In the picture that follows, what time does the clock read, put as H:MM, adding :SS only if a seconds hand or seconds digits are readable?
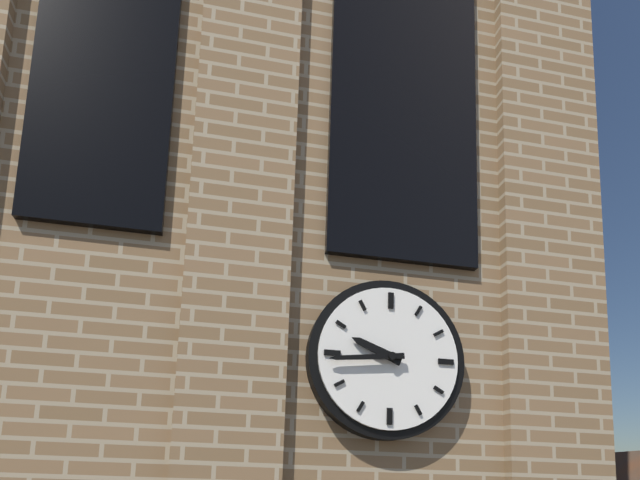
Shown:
9:44
